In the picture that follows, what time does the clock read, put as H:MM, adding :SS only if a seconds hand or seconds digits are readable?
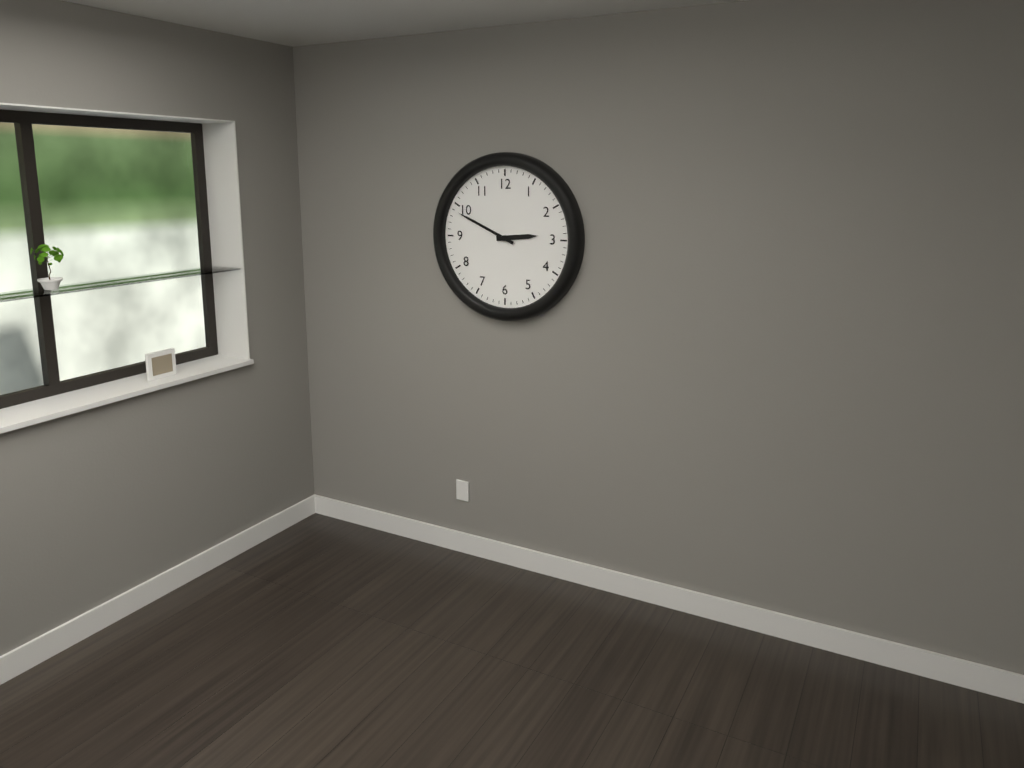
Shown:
2:49
